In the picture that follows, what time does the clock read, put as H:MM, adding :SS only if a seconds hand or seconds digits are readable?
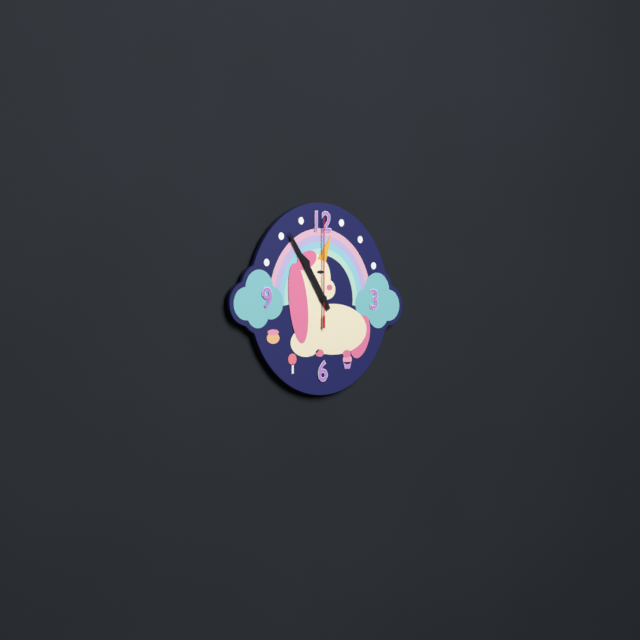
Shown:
10:54:00
